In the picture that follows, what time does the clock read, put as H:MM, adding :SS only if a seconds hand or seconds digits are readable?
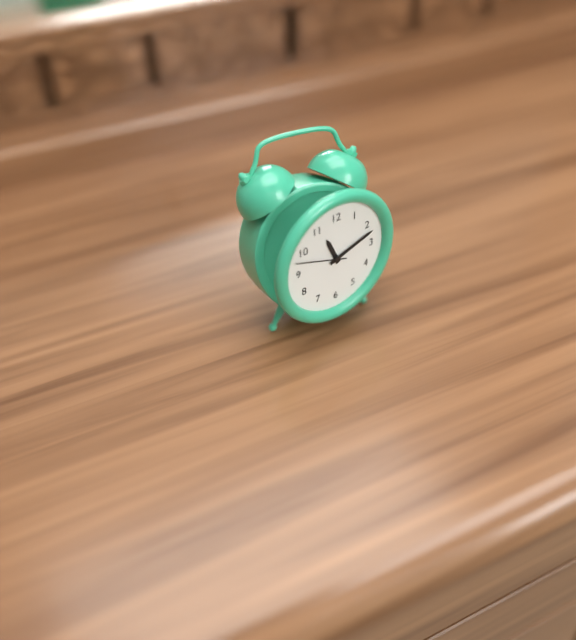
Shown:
11:12:48
